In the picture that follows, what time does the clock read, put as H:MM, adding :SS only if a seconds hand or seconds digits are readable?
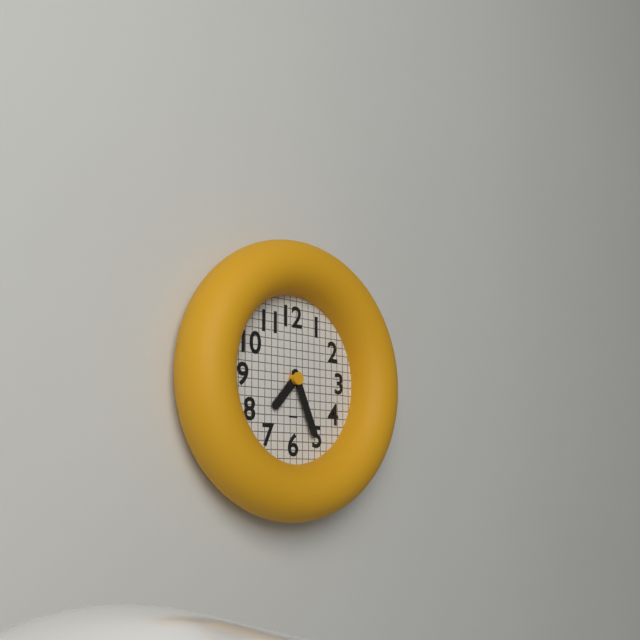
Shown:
7:26
